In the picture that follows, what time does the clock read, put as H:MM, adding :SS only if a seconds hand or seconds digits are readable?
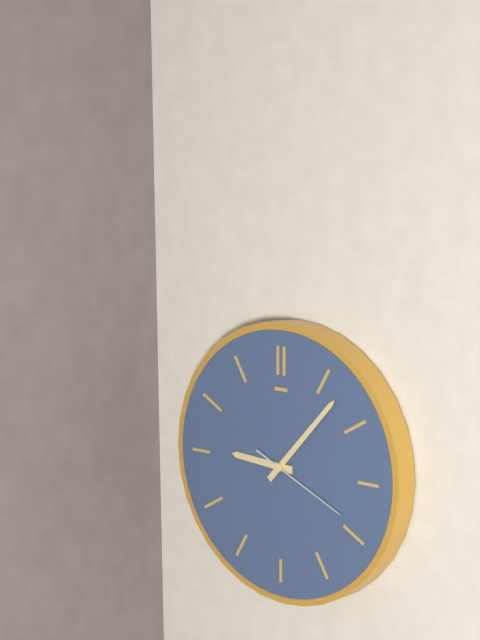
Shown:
9:07:19
